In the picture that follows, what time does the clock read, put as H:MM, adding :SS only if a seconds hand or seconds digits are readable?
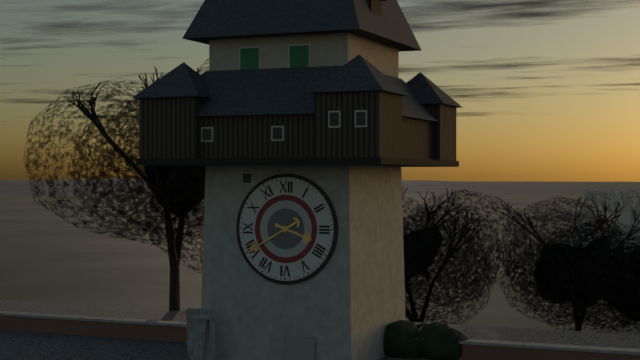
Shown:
3:40
